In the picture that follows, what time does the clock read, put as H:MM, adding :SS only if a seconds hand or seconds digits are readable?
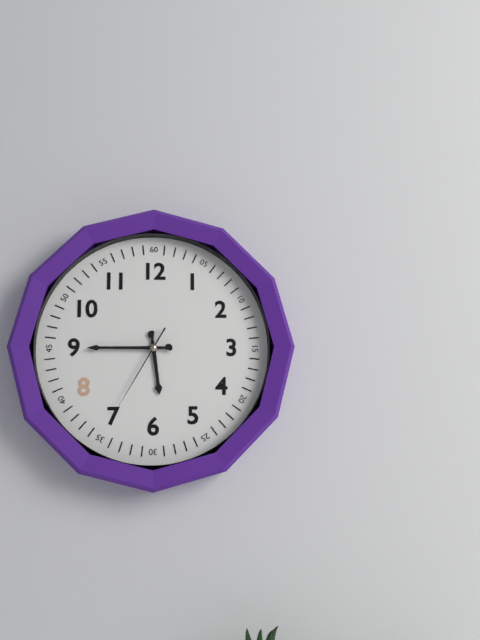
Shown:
5:45:35
